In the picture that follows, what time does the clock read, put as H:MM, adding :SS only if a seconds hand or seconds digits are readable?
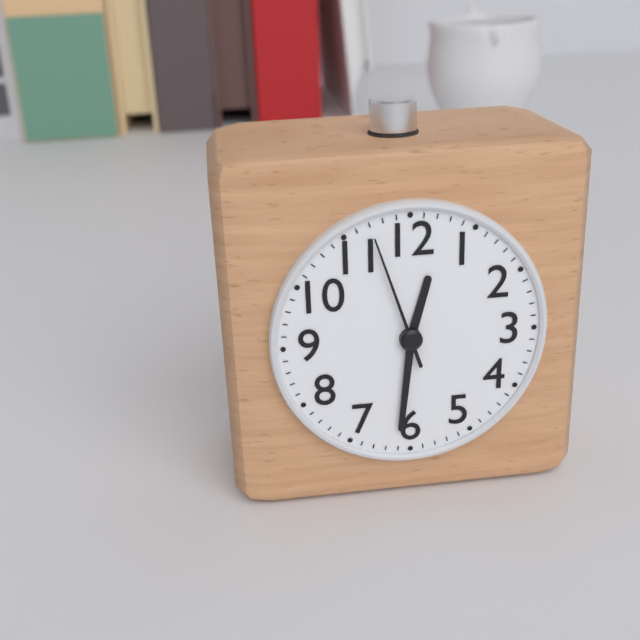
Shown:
12:31:57
